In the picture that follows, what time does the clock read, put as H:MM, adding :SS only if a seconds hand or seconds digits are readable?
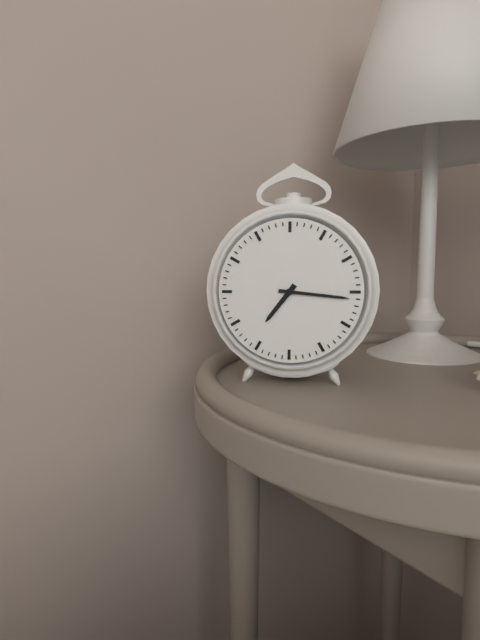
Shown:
7:16
